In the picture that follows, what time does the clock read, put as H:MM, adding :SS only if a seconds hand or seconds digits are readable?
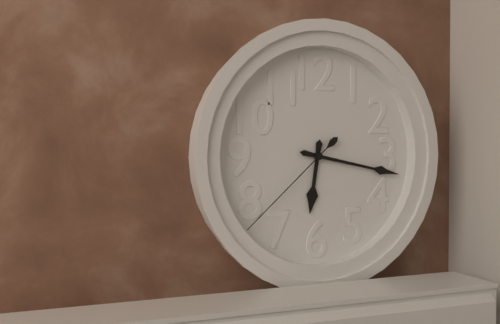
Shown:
6:17:38
